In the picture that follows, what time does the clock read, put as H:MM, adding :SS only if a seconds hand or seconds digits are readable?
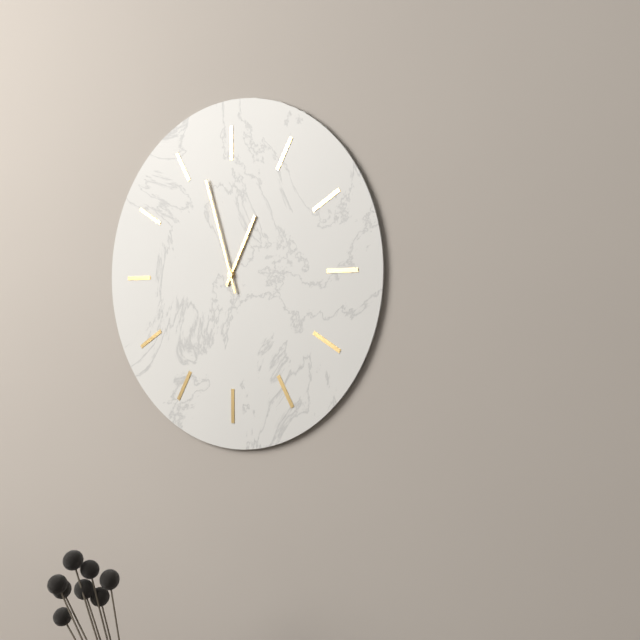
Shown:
12:57
